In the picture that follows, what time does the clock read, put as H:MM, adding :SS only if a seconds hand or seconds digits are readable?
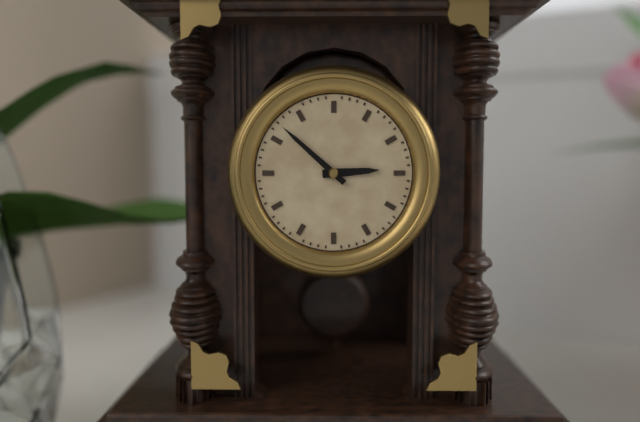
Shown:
2:52
